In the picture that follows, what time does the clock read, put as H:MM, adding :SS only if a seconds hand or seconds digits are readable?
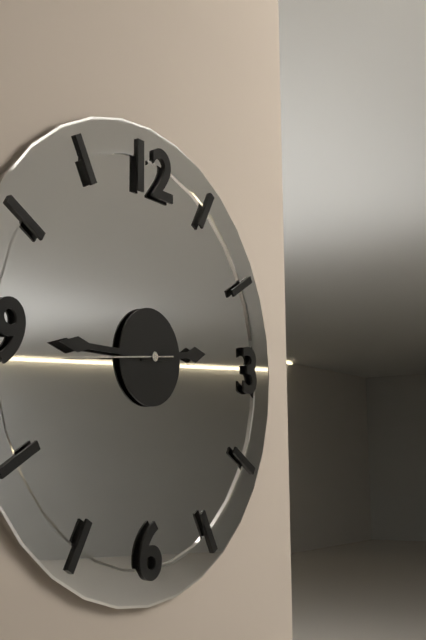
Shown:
2:45:44
